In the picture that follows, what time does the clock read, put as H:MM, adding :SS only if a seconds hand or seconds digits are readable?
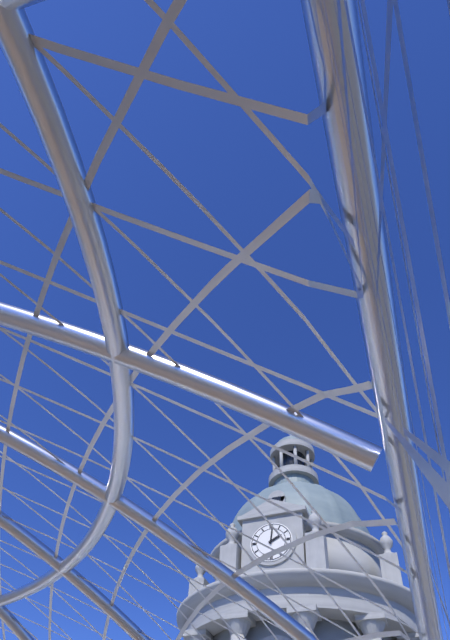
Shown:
2:01
